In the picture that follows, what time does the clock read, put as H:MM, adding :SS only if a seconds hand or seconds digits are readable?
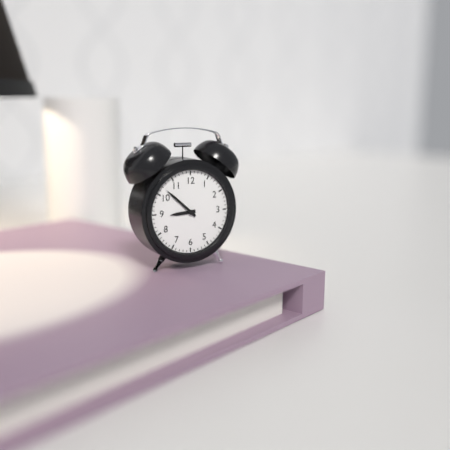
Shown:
8:52
